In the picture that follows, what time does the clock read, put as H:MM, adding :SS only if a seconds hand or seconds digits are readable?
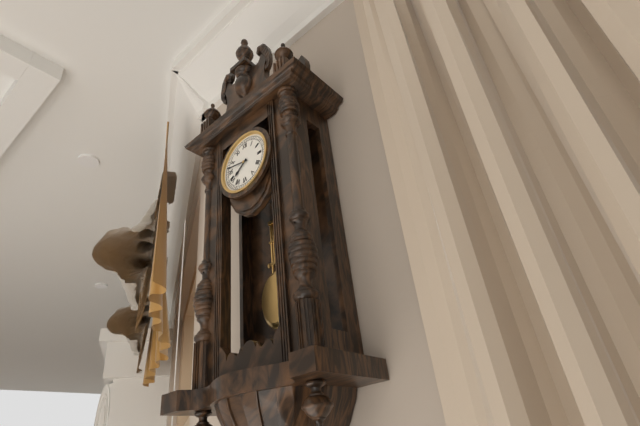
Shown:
7:47
